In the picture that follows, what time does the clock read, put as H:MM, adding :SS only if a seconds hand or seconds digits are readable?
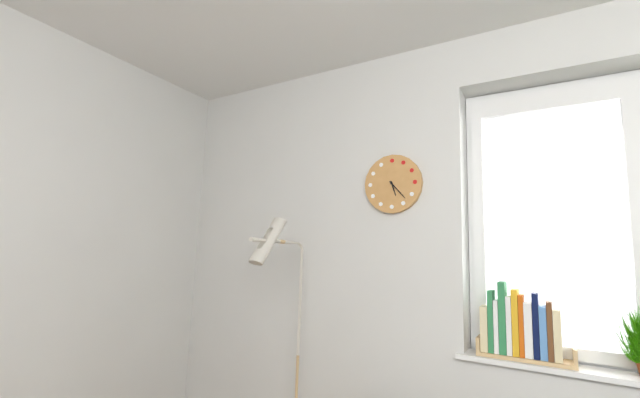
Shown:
5:23
